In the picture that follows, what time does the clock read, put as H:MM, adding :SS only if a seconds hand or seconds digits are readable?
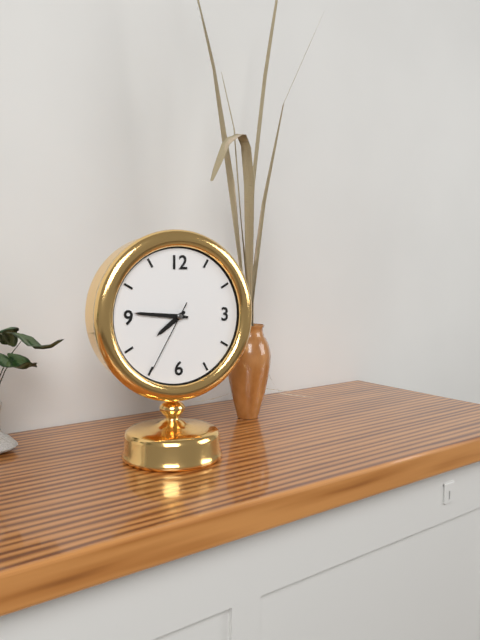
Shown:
7:46:35
